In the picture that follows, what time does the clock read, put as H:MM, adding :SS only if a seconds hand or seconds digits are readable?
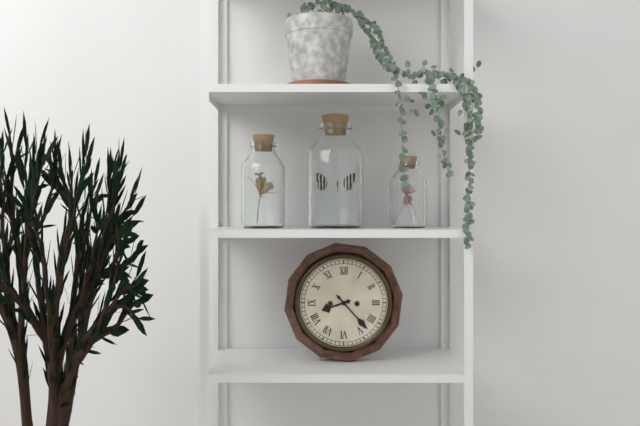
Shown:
8:23
